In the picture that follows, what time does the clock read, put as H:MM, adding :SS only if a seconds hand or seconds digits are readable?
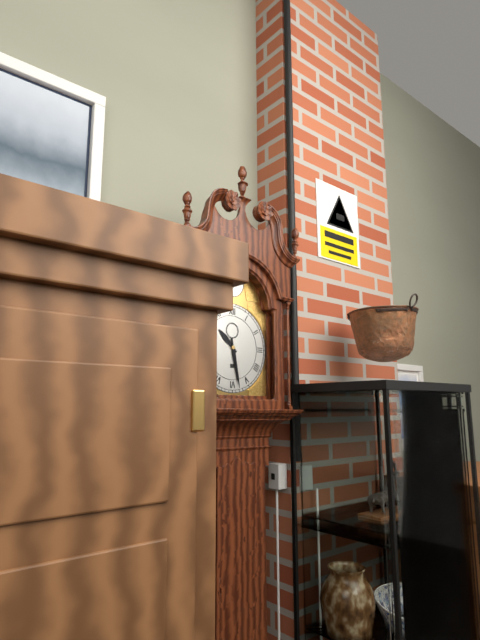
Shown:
10:28
